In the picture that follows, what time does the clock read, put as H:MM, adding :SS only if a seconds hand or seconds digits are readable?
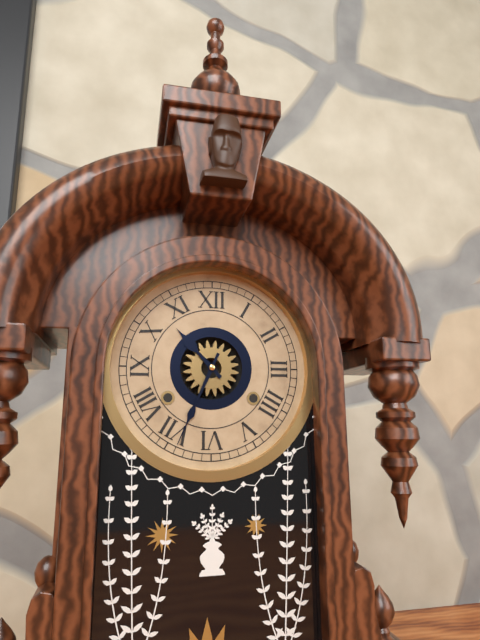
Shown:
10:34
